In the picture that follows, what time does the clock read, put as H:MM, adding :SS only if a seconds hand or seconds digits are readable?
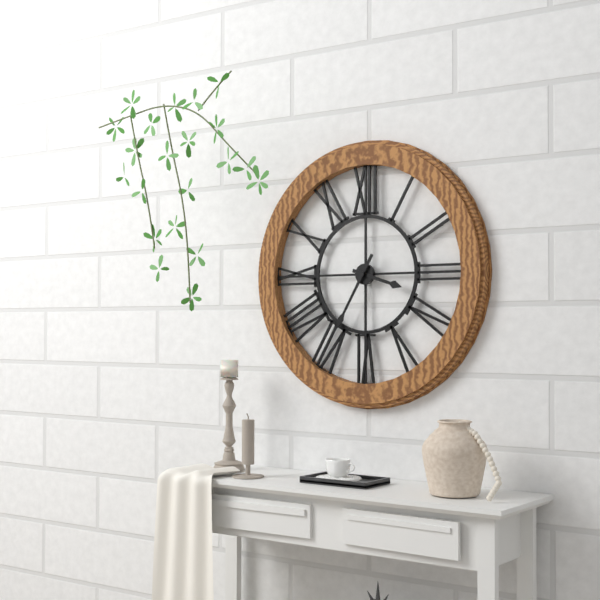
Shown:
3:35
